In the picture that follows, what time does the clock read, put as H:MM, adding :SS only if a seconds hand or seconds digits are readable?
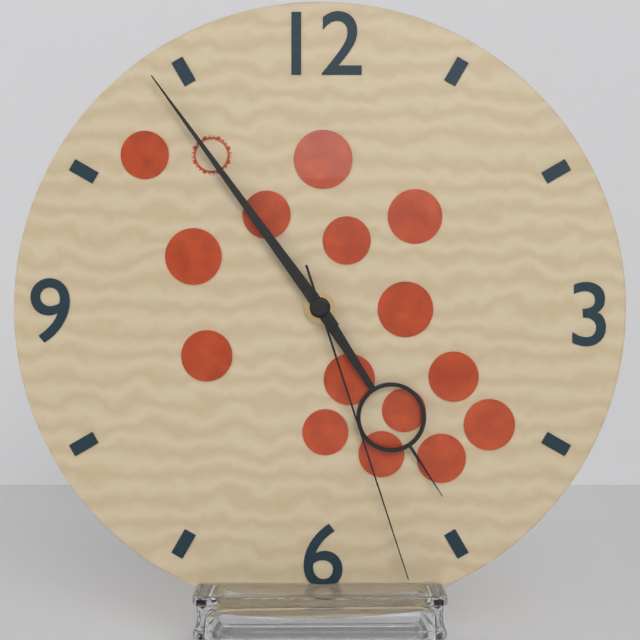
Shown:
4:54:27
